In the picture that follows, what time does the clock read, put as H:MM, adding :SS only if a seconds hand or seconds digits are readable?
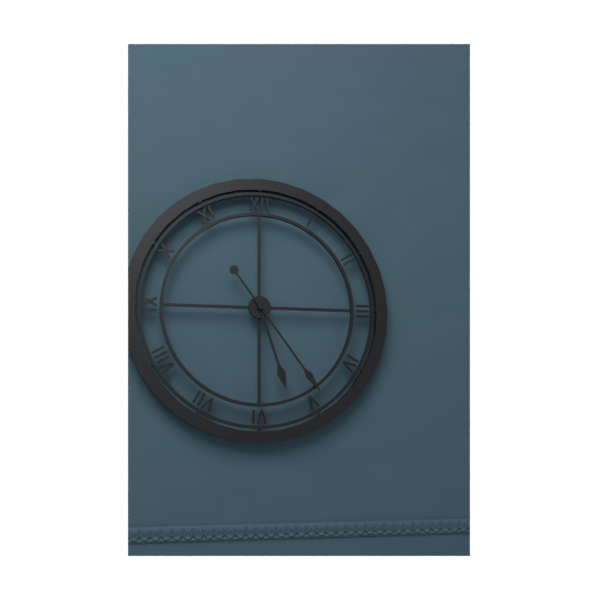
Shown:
5:24
